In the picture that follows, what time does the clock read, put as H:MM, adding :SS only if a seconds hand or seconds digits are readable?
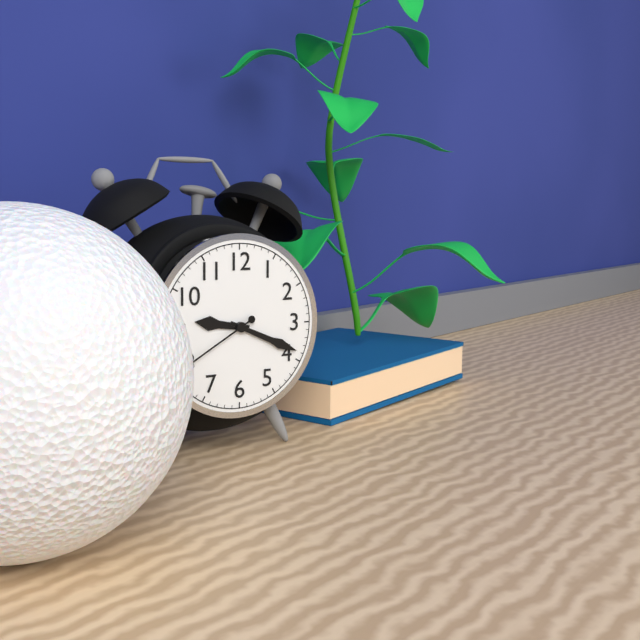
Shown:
9:19:40
